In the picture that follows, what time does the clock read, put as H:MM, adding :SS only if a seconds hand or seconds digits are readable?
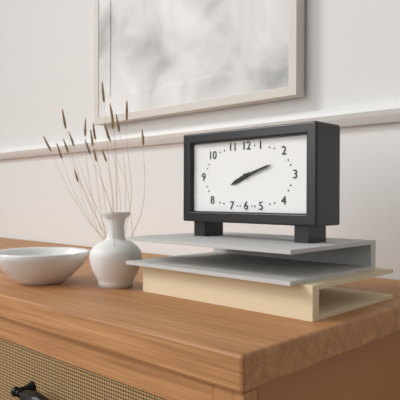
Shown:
8:12
